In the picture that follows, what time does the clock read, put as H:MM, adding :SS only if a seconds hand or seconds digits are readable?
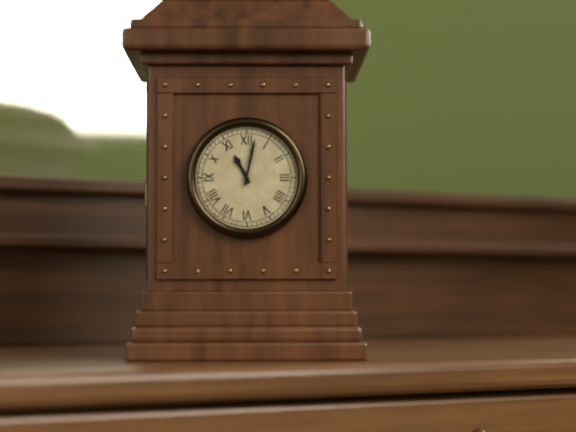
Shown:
11:02
